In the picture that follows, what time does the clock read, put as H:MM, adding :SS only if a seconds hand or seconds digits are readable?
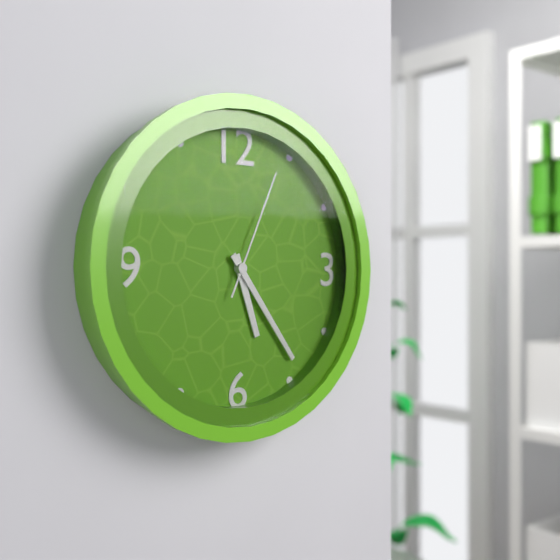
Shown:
5:24:04
